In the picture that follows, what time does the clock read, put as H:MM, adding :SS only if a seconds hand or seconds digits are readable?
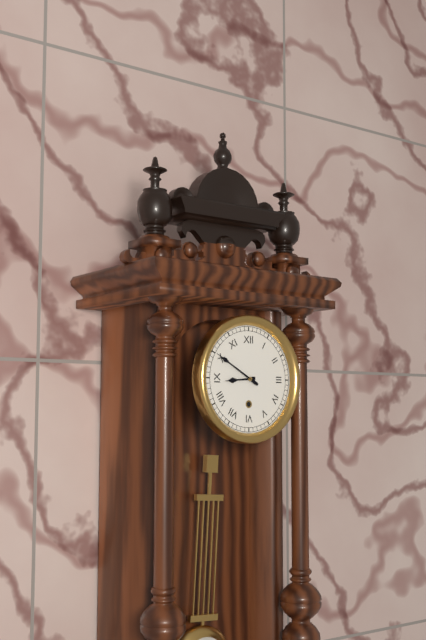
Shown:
8:50
